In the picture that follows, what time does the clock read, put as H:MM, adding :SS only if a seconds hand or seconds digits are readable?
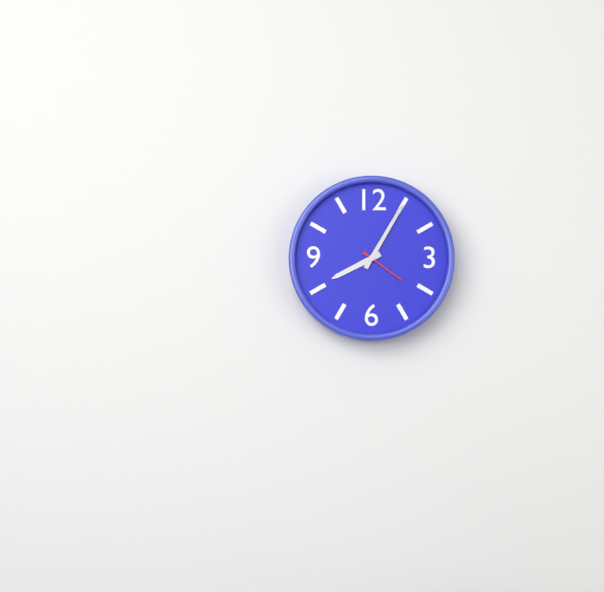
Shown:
8:05
